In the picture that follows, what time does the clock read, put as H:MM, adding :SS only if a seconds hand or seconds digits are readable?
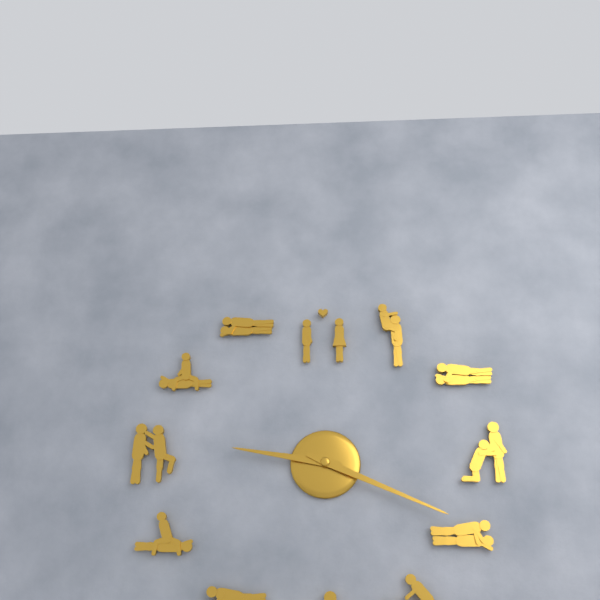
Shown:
9:19
